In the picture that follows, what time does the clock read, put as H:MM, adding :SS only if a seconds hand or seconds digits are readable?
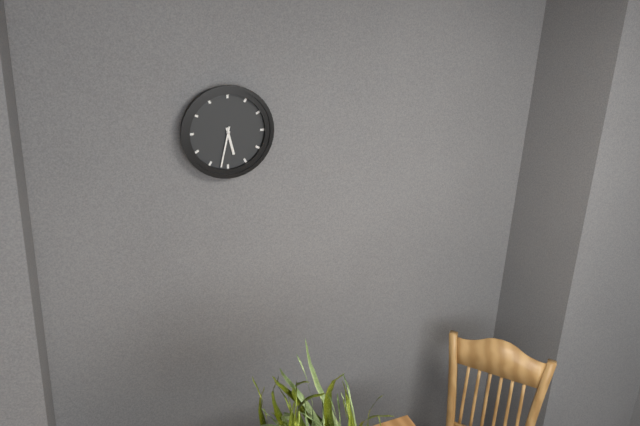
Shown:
5:32
